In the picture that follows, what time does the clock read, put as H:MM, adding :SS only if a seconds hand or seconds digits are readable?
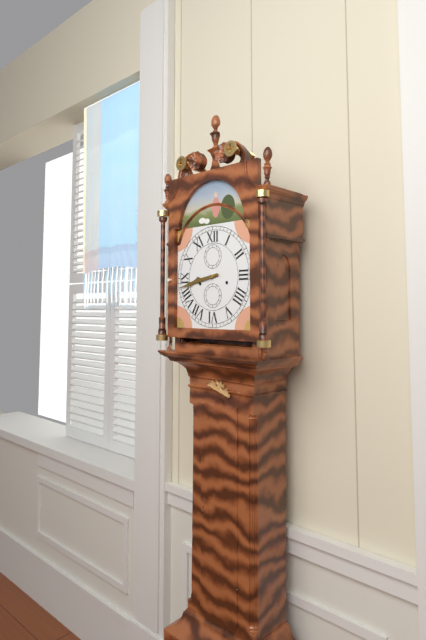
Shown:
8:43
